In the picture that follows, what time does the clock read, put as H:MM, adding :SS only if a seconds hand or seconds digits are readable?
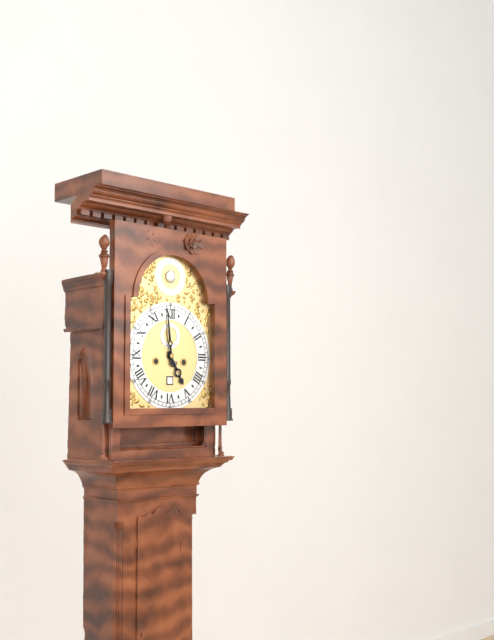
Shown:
4:59
